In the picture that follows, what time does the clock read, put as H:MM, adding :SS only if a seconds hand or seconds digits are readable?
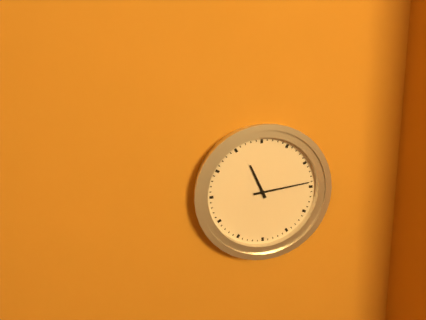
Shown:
11:14
